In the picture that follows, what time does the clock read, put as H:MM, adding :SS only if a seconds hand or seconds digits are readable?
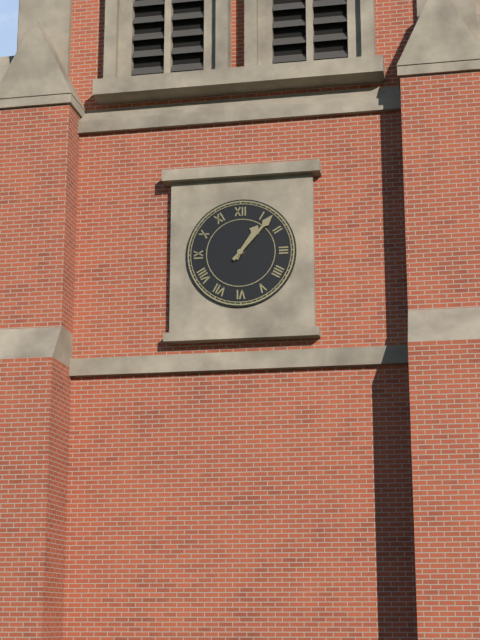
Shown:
1:07
